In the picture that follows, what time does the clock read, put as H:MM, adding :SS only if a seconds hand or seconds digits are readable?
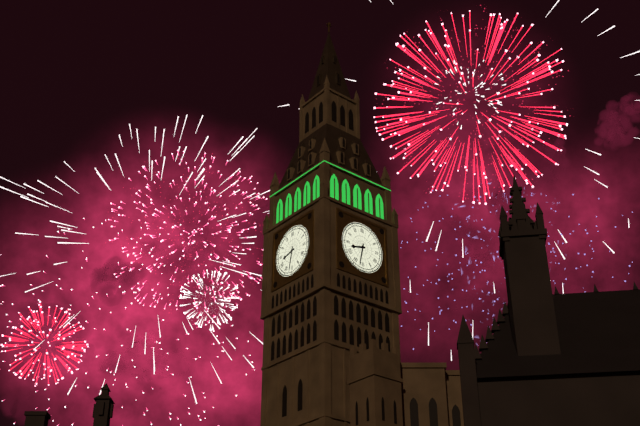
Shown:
8:32
